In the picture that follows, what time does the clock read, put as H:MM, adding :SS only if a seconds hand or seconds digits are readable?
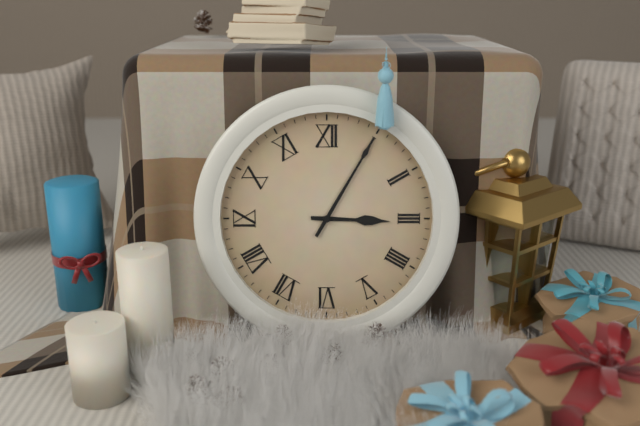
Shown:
3:05
